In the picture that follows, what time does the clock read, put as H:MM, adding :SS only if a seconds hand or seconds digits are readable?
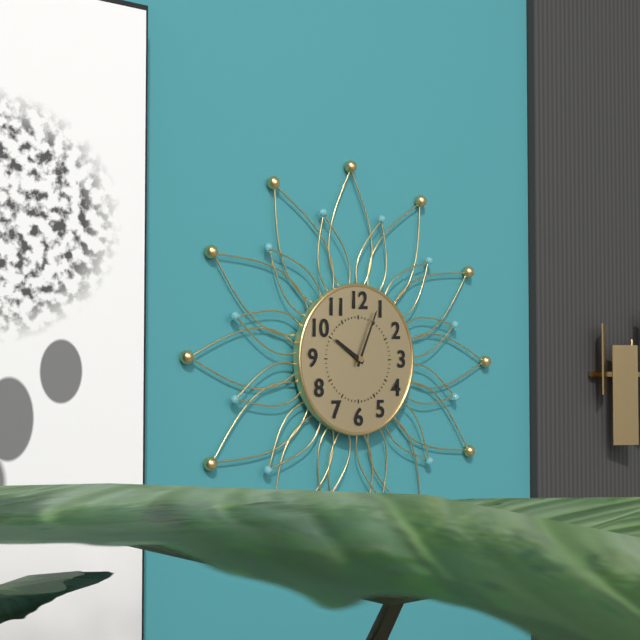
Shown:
10:04
